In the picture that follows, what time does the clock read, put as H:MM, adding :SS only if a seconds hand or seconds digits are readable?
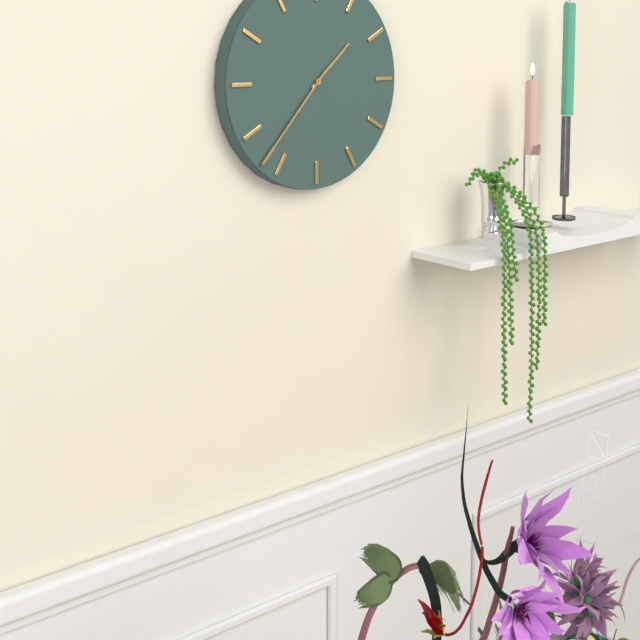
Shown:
1:37
